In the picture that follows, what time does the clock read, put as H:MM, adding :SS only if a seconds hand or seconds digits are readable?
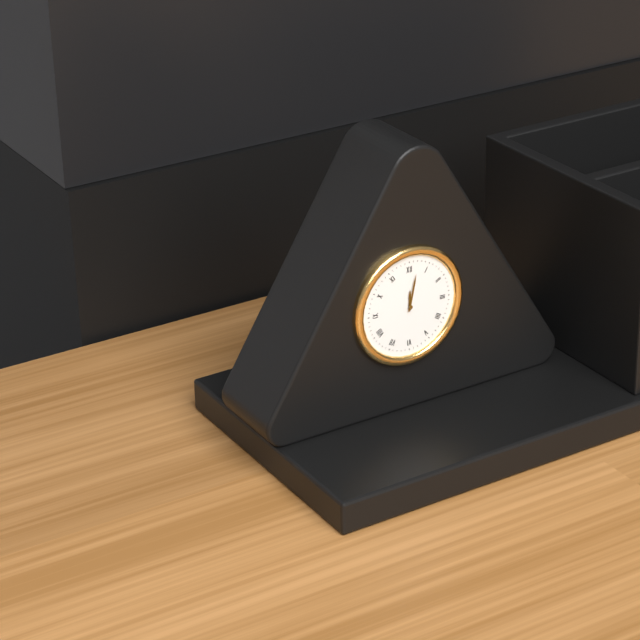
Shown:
12:02
